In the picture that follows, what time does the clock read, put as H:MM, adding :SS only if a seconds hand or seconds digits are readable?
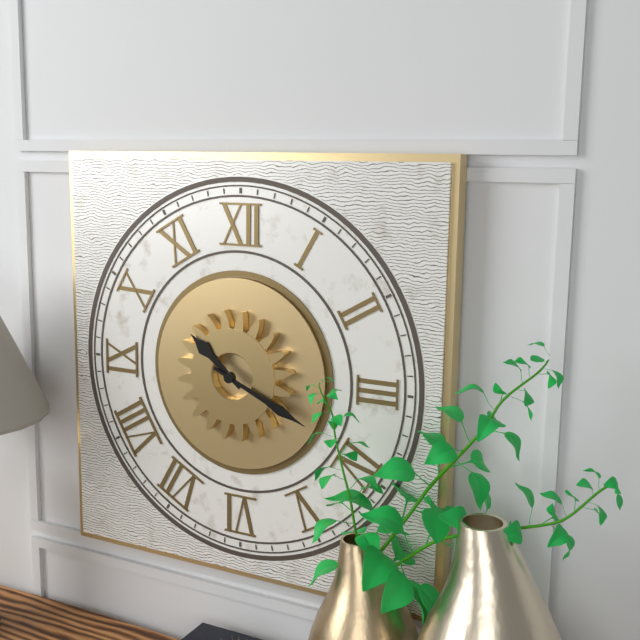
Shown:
10:19
